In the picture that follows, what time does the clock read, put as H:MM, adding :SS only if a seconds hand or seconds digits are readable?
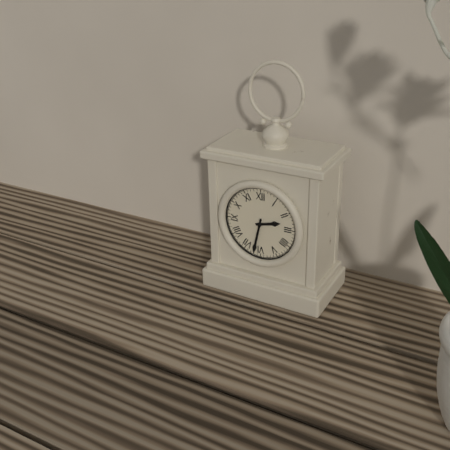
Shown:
2:32
